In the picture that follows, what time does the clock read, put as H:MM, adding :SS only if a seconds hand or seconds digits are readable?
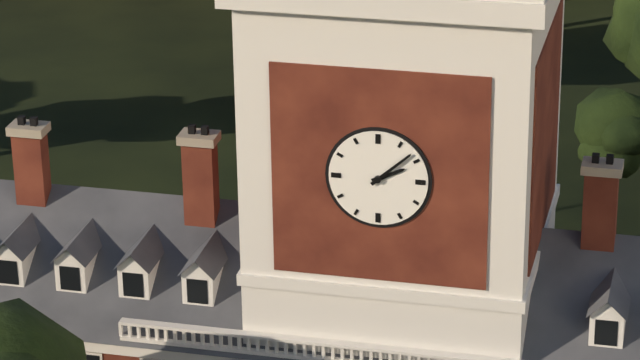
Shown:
2:08
